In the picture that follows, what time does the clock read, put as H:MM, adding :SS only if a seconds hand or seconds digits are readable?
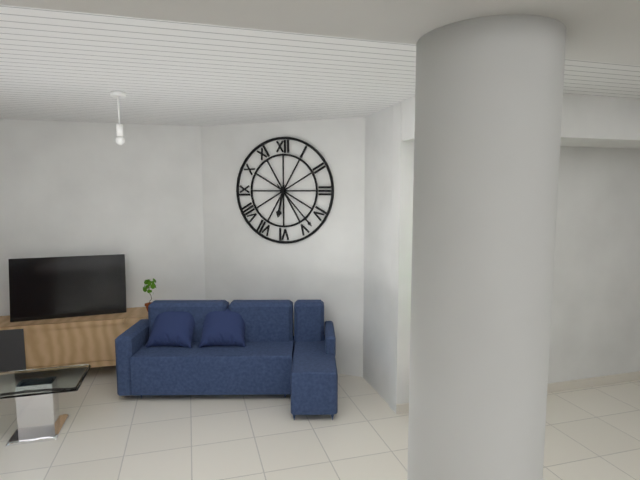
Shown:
6:23
